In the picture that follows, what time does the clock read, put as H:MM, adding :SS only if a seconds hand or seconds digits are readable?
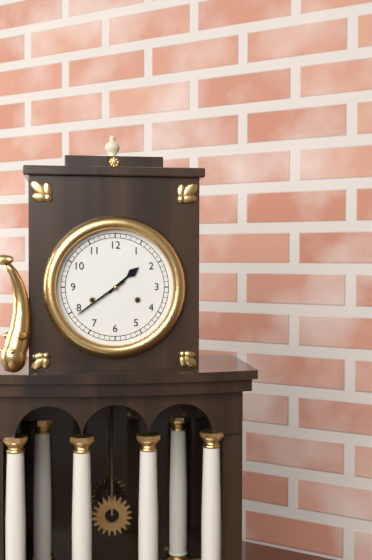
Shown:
1:39
